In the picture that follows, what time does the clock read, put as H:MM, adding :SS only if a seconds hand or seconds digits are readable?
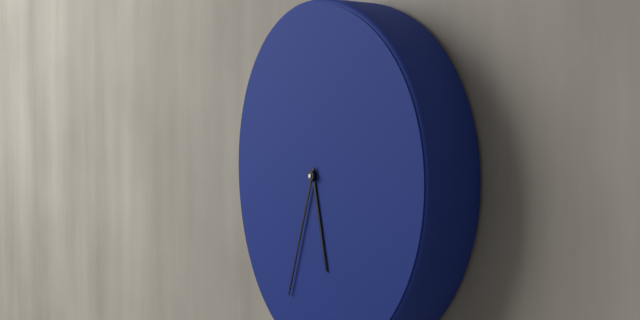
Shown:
5:33
